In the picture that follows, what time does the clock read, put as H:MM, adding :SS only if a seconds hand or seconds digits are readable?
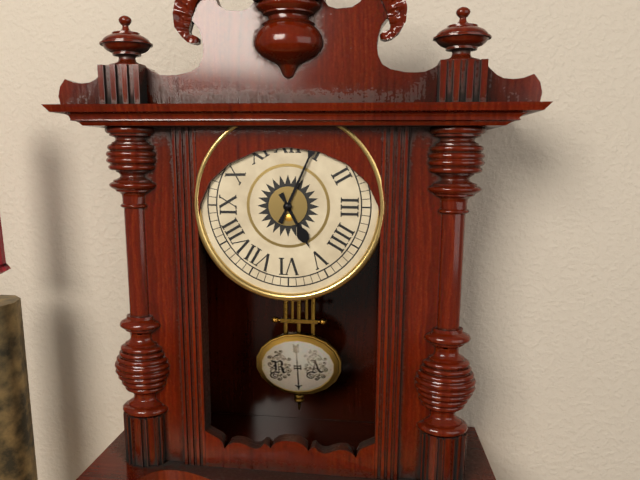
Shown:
5:04
